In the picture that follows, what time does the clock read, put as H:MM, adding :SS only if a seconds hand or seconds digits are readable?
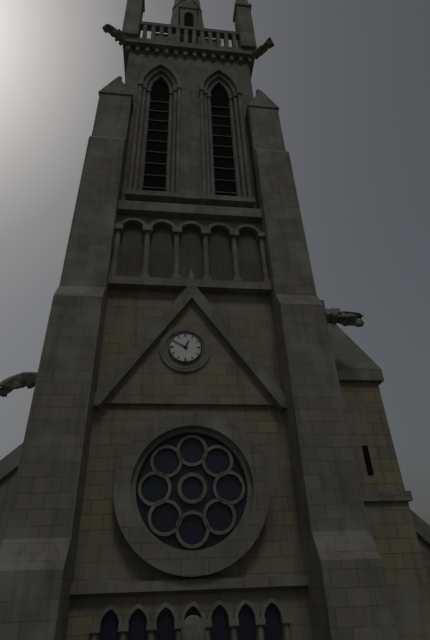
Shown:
12:50
